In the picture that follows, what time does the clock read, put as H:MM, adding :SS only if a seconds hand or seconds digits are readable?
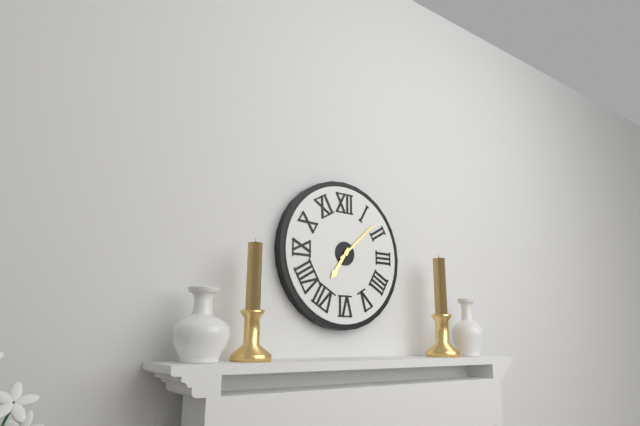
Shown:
7:08
